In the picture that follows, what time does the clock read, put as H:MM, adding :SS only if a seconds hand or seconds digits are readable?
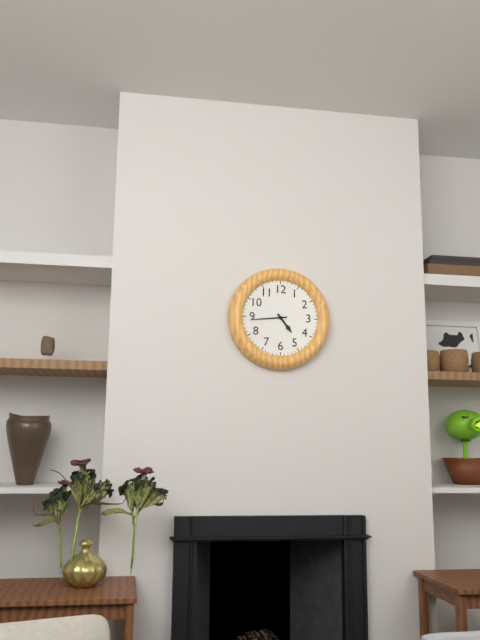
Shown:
4:44
